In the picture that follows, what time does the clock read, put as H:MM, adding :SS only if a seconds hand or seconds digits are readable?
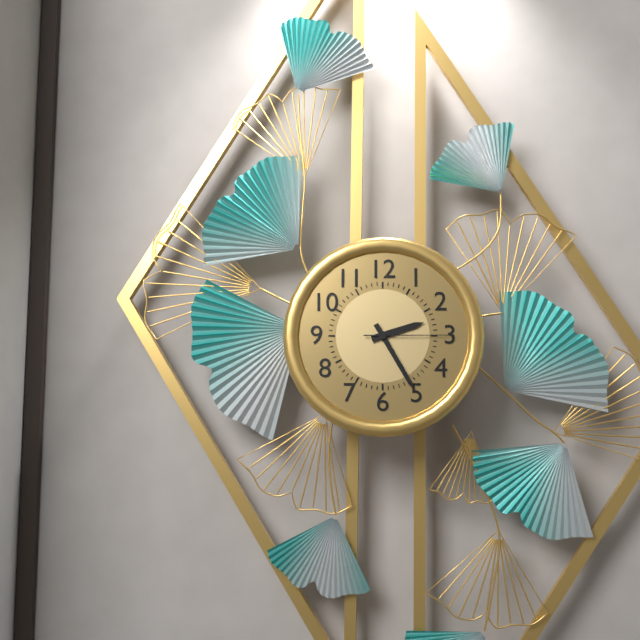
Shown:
2:25:15
